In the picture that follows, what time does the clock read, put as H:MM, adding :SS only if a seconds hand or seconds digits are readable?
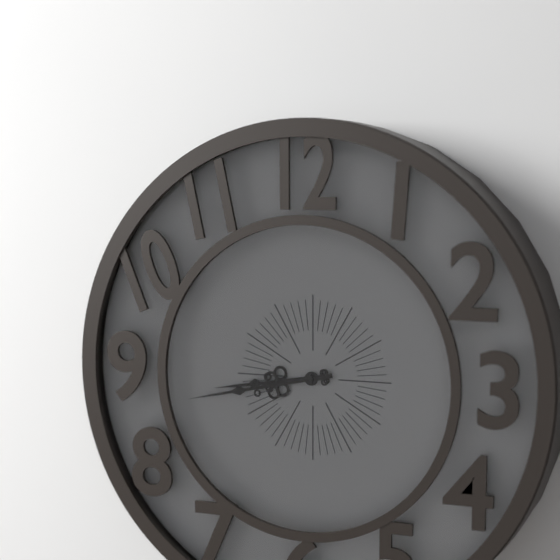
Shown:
8:43
